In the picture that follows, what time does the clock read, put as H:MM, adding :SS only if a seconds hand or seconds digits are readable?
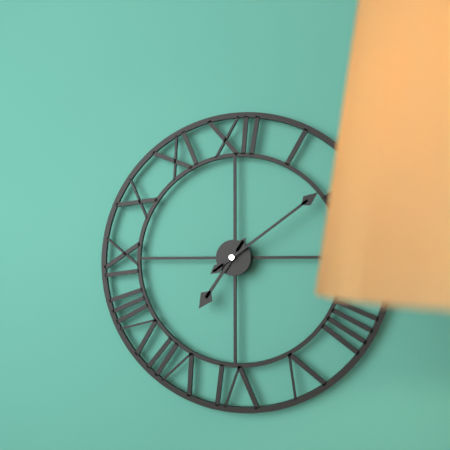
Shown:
7:09
